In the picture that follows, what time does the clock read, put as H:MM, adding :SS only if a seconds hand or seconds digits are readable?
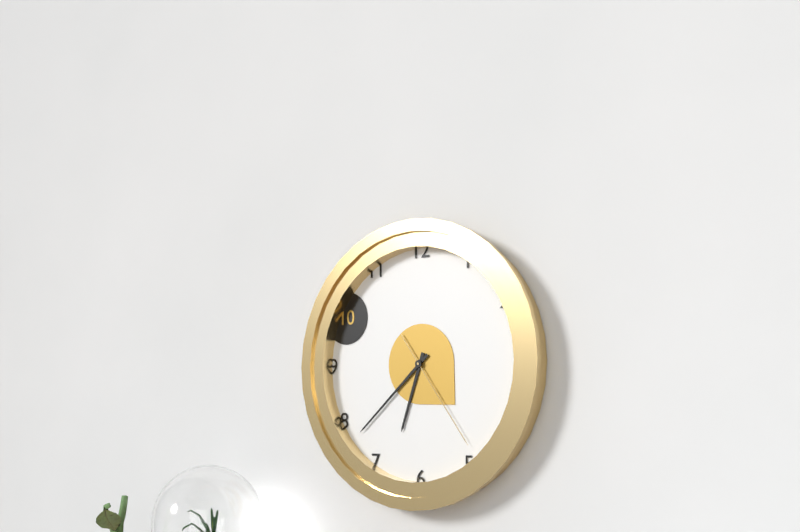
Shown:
6:38:24
